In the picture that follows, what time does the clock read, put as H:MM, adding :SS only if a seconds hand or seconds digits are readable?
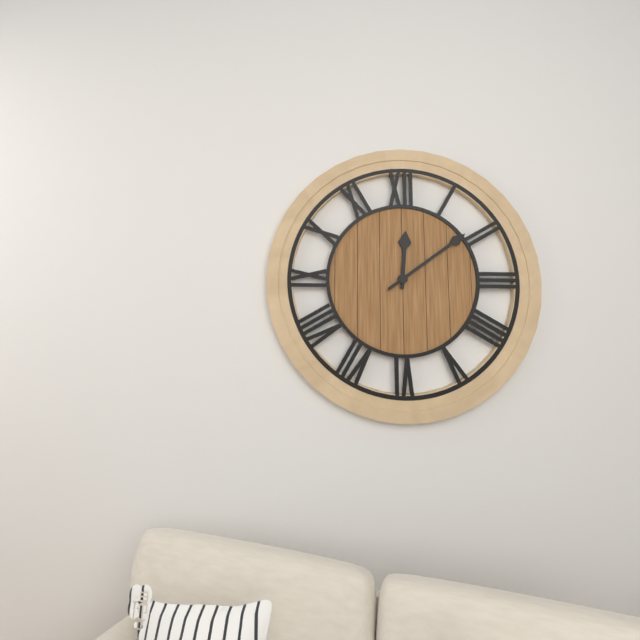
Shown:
12:09
